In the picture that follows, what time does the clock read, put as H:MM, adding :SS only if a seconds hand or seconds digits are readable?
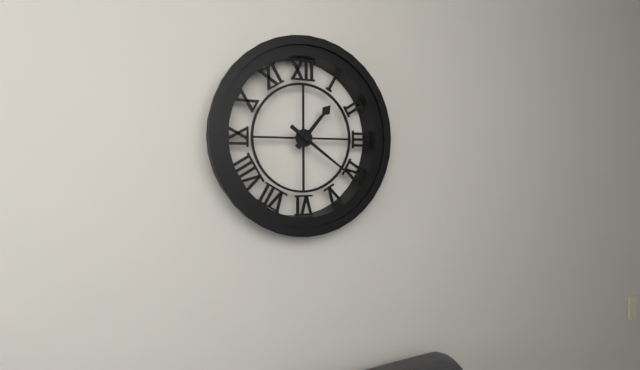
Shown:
1:21
